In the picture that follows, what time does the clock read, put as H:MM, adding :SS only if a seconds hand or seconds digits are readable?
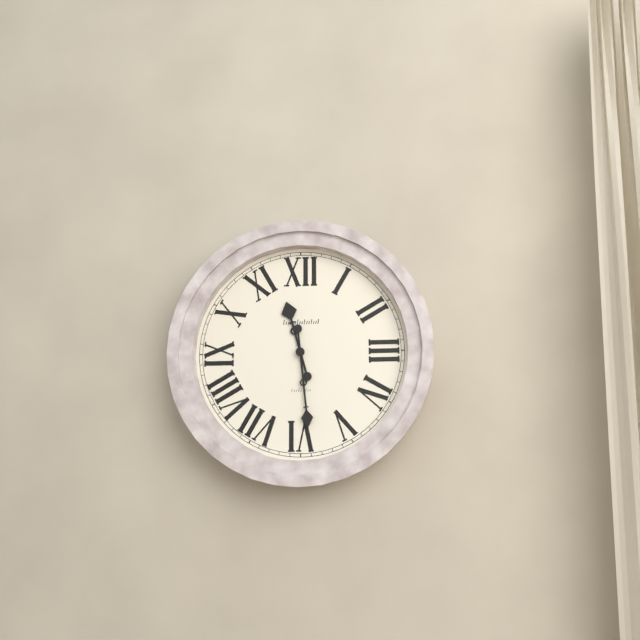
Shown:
11:29
